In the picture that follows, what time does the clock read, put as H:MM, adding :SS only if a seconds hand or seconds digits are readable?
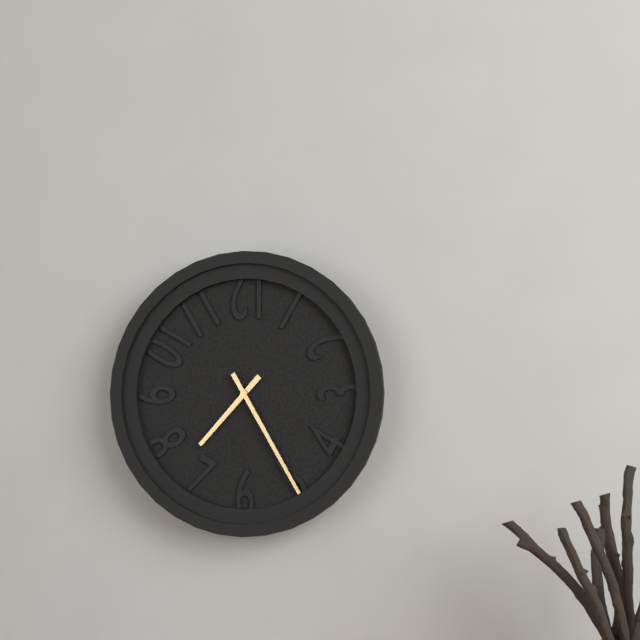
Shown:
7:25
